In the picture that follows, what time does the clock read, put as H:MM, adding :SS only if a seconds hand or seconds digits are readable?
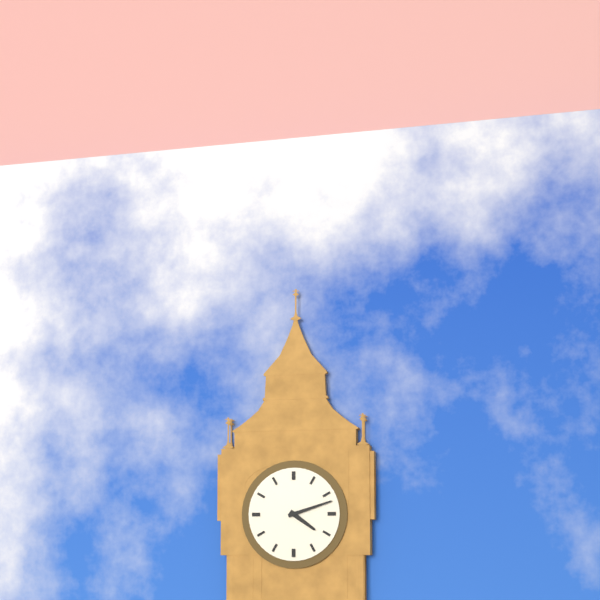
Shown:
4:12
